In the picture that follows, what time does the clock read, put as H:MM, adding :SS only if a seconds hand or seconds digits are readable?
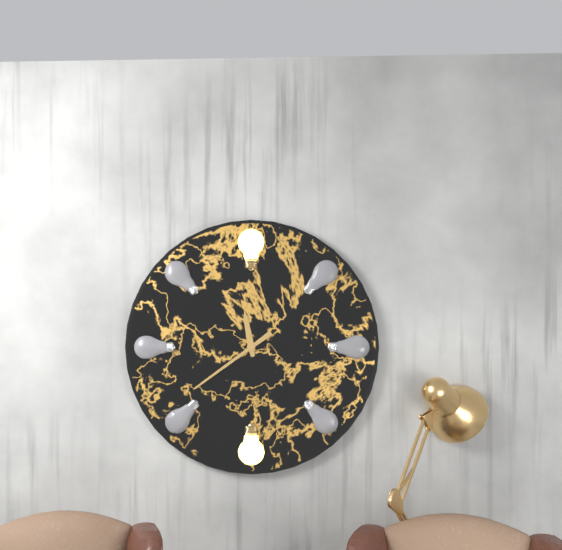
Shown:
11:39
